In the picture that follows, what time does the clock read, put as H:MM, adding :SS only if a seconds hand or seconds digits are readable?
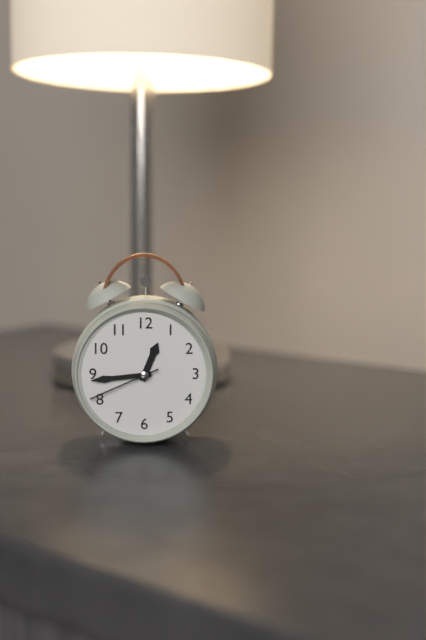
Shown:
12:44:41
